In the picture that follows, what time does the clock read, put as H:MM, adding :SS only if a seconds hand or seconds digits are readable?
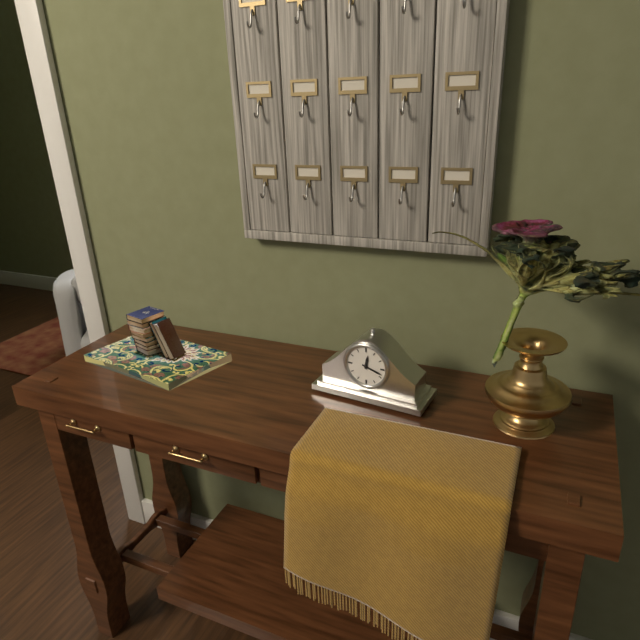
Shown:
12:18
